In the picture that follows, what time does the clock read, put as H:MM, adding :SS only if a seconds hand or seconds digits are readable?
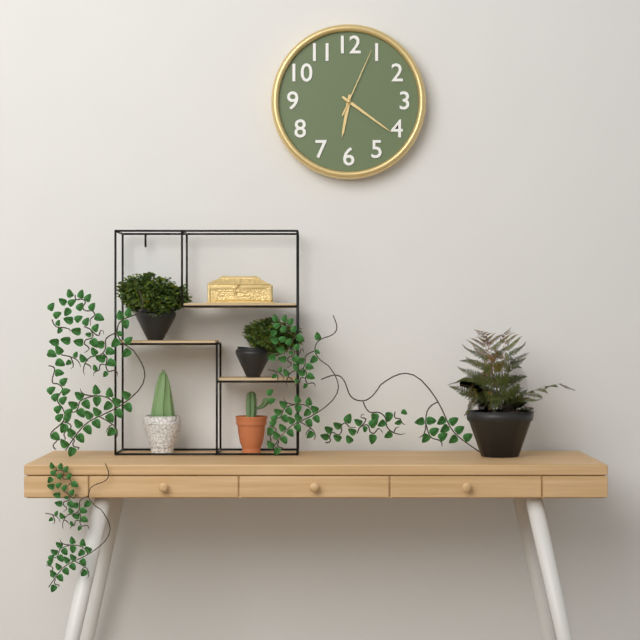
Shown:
6:21:04
